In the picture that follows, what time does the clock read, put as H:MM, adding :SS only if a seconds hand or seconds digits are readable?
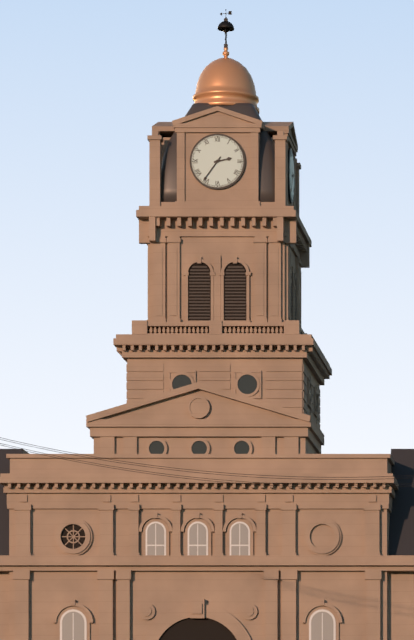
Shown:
2:36
